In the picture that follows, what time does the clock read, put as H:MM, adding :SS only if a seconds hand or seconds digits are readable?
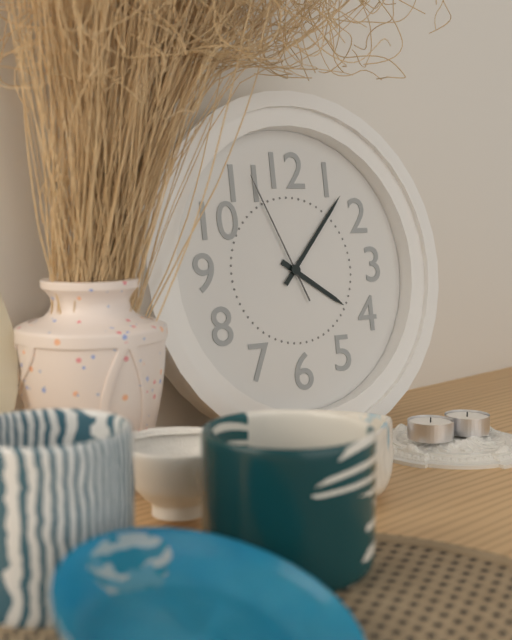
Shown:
4:07:56
